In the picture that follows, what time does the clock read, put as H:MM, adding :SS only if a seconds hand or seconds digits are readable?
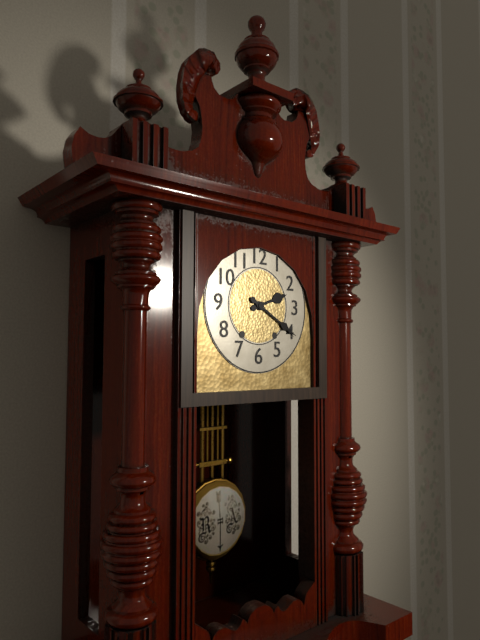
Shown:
2:20
